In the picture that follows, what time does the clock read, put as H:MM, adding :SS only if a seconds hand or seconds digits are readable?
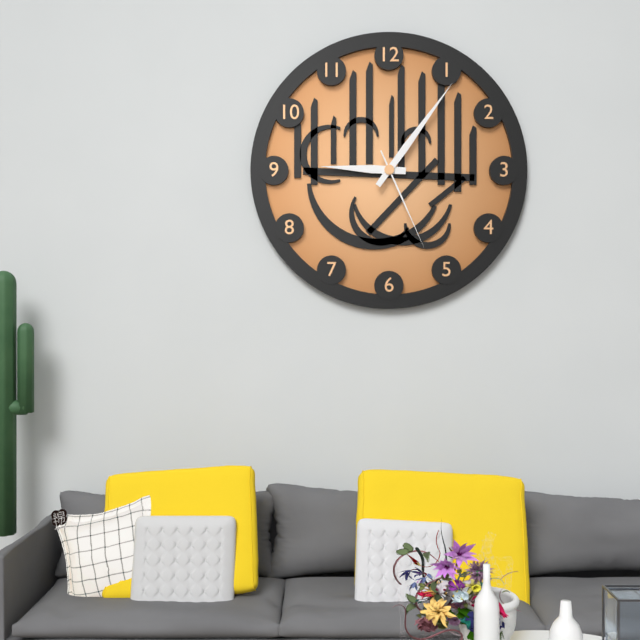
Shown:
9:06:26
